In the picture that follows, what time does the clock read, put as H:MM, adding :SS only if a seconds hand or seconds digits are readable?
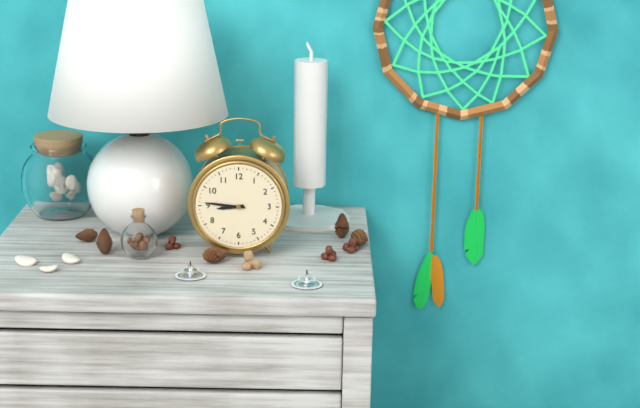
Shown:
8:46
